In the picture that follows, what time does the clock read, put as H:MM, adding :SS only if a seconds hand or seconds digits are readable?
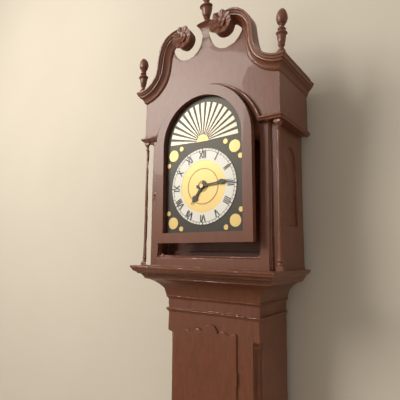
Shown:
7:14
